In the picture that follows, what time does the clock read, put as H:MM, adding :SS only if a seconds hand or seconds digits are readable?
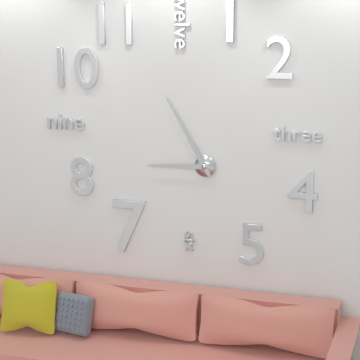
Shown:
8:55
